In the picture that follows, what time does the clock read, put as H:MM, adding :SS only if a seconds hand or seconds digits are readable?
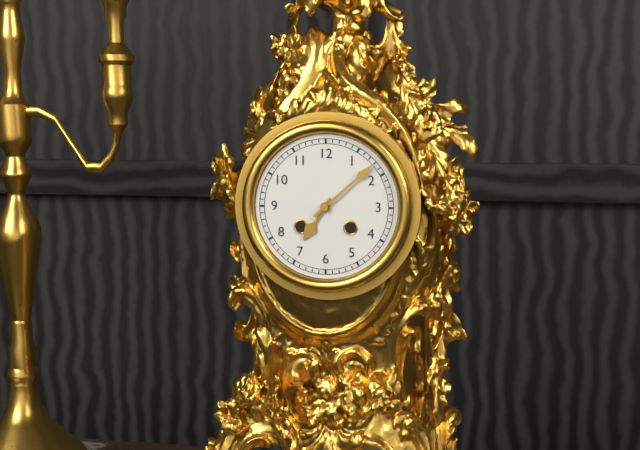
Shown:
7:08
